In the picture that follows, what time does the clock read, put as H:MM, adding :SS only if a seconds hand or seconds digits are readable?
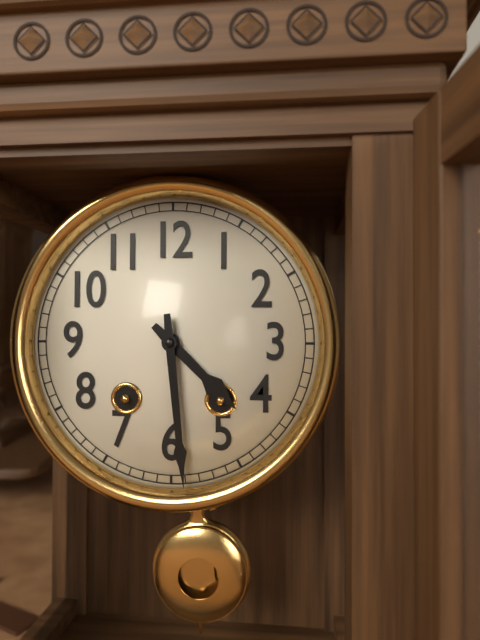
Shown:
4:29
